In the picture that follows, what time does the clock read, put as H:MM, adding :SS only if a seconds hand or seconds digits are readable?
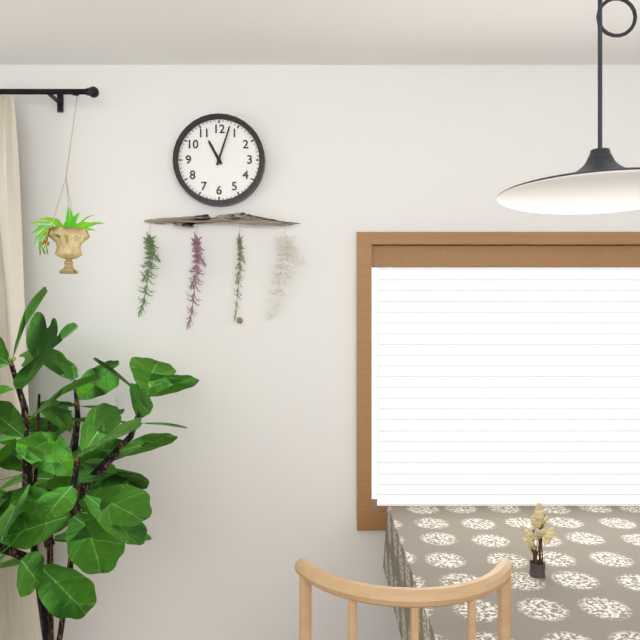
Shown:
11:03
